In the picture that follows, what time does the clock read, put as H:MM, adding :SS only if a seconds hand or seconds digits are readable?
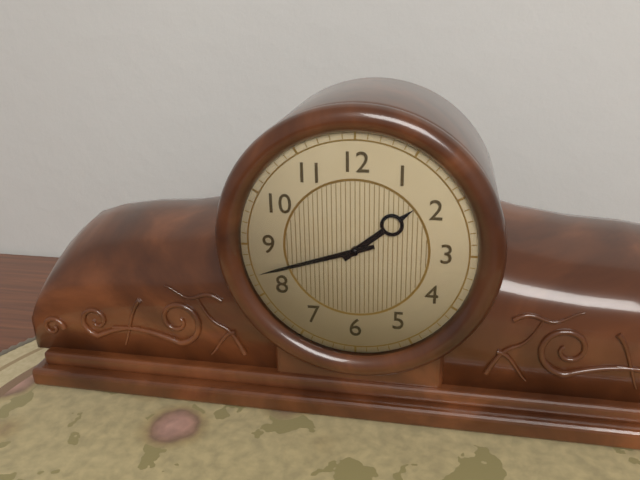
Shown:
1:42
